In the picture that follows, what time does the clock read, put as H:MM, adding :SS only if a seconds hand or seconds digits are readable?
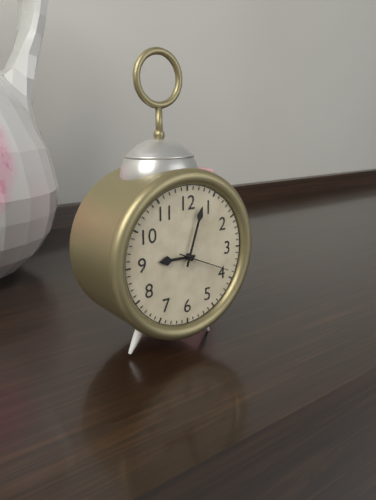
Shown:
9:03
